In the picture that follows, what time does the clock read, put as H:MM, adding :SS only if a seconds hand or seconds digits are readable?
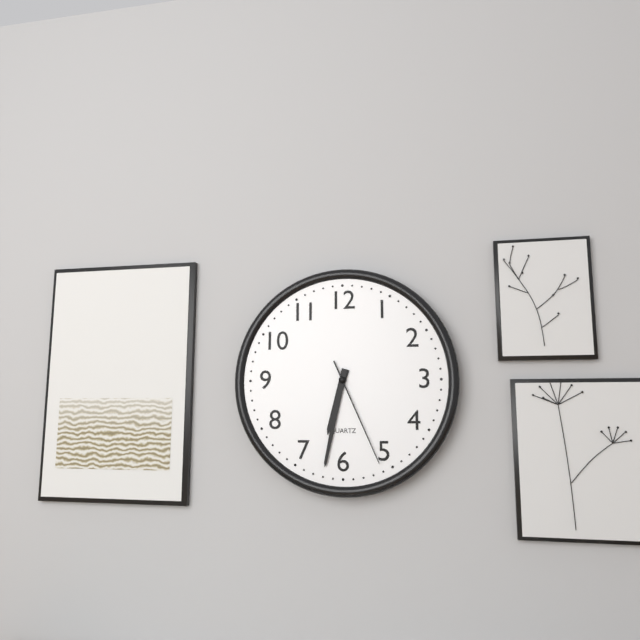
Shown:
6:32:26
